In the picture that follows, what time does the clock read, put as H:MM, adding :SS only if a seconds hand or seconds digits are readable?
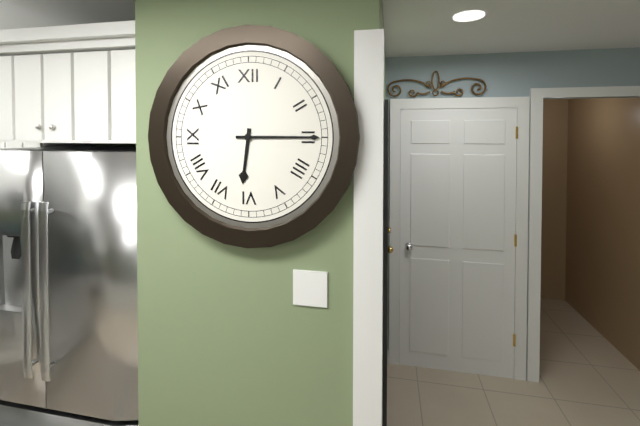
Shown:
6:15
